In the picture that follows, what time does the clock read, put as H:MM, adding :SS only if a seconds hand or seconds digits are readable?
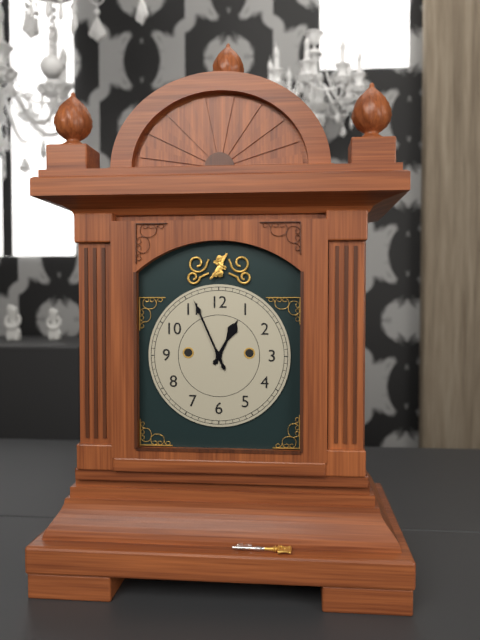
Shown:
12:56
